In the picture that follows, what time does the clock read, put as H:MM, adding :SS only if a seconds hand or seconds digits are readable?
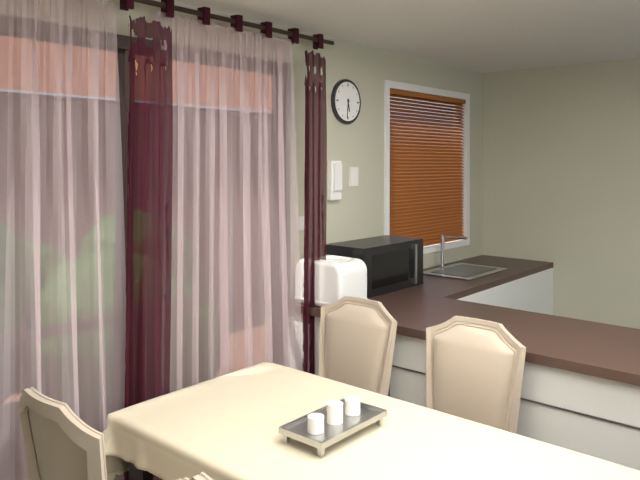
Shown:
5:31
